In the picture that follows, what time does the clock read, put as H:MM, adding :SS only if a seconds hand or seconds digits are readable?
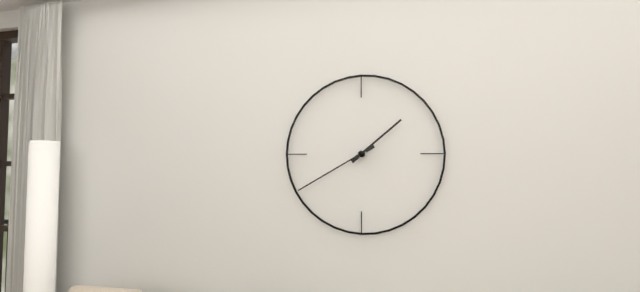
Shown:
1:40
